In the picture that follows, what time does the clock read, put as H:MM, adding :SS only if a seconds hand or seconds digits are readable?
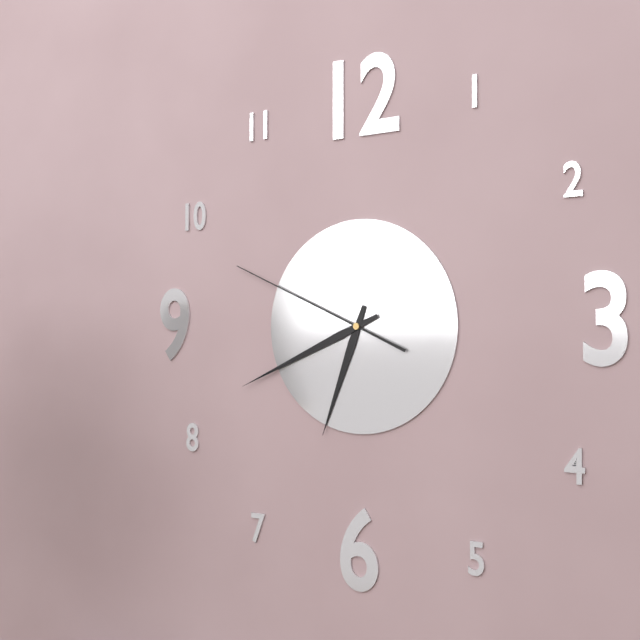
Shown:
6:41:49
